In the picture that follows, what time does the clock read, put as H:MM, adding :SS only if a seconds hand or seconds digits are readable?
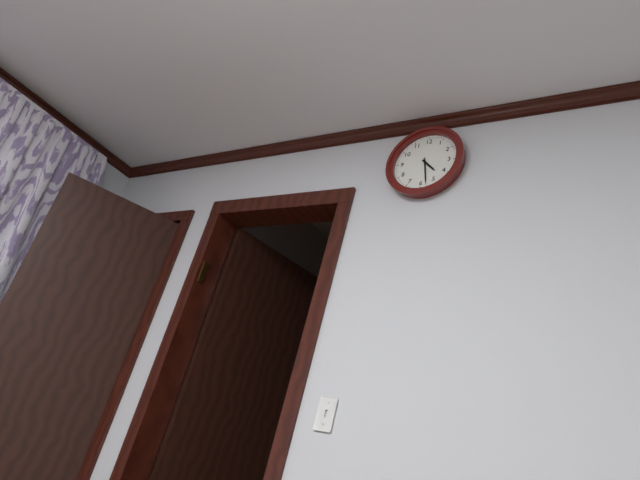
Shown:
4:28
